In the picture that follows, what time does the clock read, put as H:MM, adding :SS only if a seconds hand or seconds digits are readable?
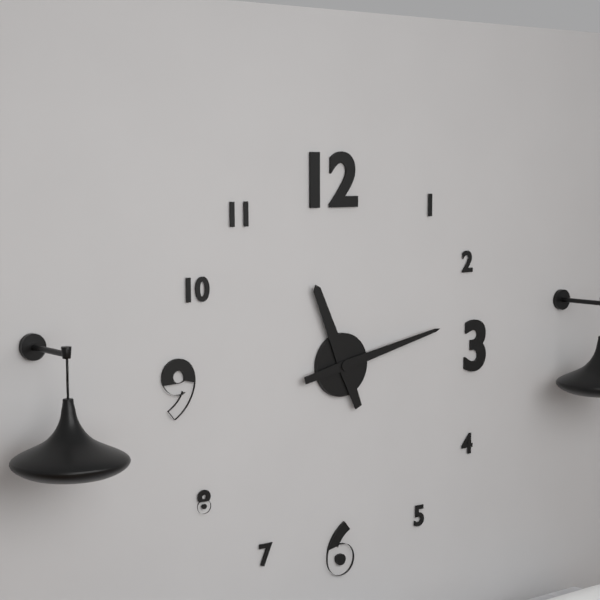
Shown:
11:13
